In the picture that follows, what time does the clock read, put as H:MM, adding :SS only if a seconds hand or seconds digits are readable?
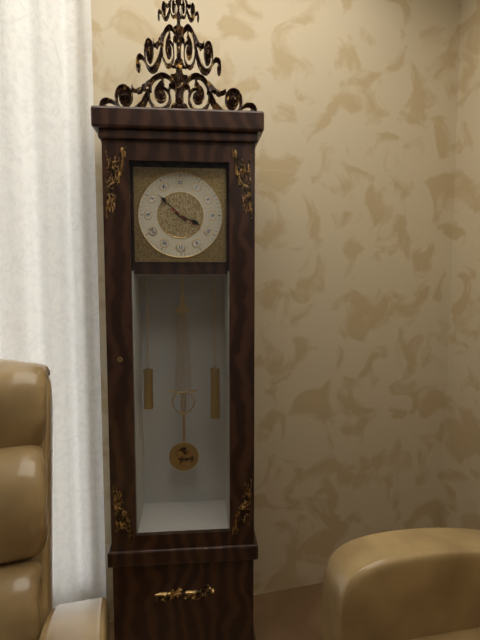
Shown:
3:52
